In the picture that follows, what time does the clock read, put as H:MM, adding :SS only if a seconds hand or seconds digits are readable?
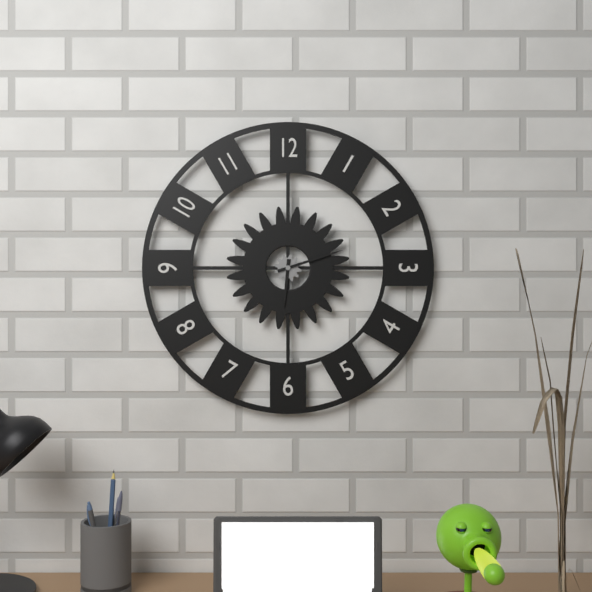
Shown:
6:12
